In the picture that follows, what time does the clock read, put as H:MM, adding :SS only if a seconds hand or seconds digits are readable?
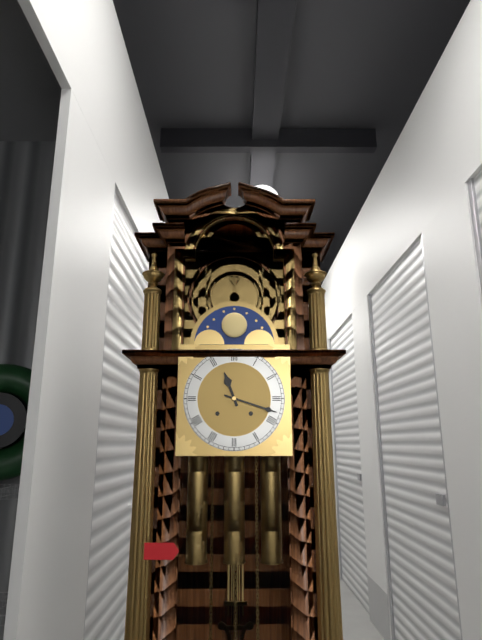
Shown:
11:18
